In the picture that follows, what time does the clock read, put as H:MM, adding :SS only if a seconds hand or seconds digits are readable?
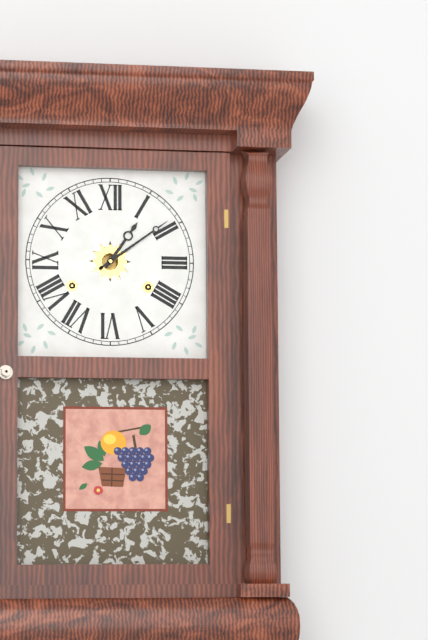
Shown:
1:09
